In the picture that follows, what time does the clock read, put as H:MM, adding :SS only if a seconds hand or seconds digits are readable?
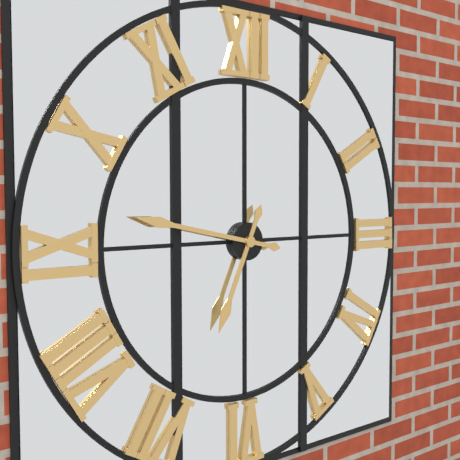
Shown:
6:47
